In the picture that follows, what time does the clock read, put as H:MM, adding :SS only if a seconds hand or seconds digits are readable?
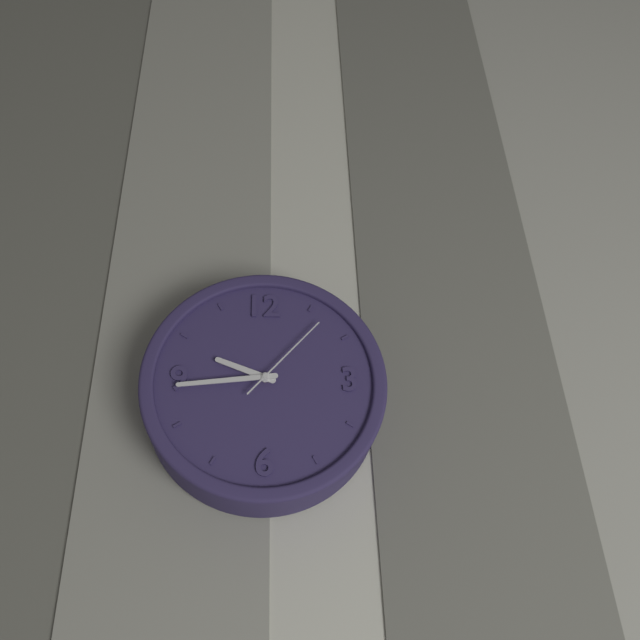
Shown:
9:44:07
